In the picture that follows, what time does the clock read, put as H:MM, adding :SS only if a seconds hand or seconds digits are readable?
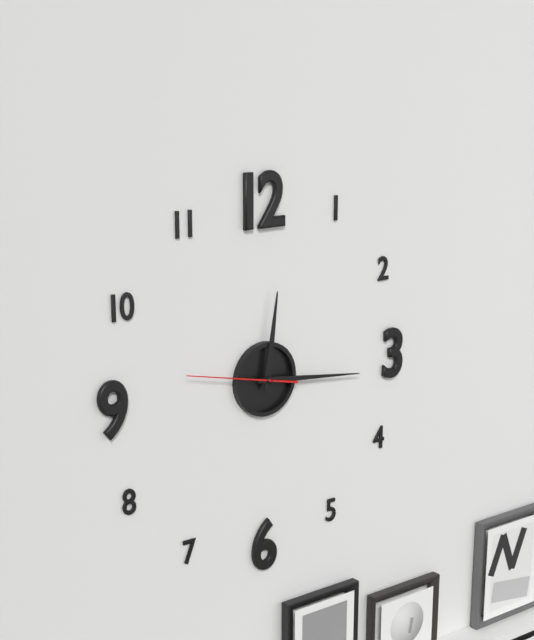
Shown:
12:16:47
